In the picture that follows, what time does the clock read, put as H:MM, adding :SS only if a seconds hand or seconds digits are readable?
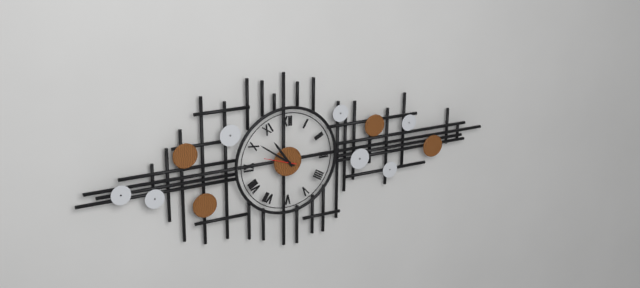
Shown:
10:51
